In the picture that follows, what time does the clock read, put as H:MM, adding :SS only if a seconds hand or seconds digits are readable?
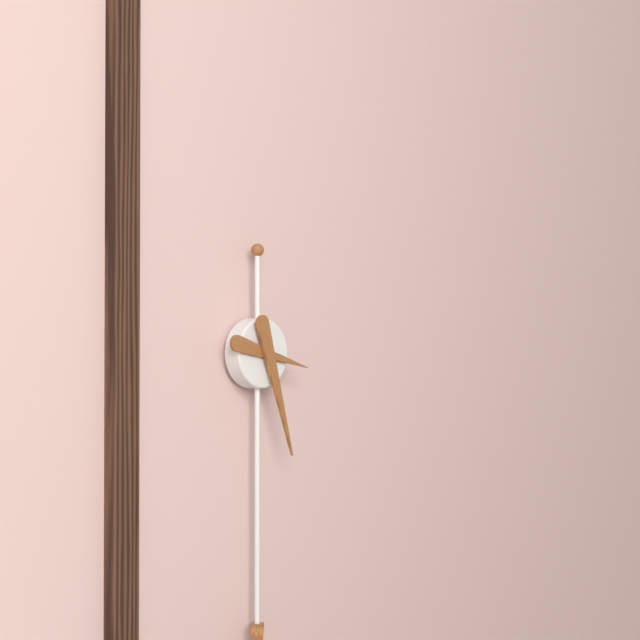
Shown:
3:27
